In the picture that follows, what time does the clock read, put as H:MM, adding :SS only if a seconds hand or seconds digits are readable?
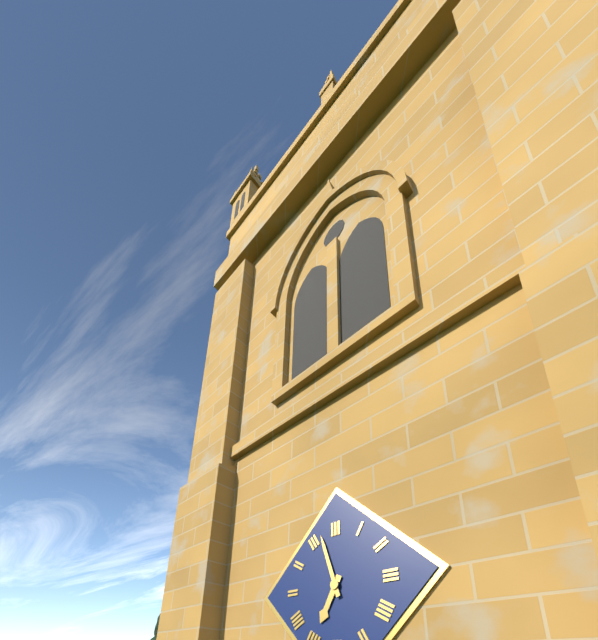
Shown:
6:57
